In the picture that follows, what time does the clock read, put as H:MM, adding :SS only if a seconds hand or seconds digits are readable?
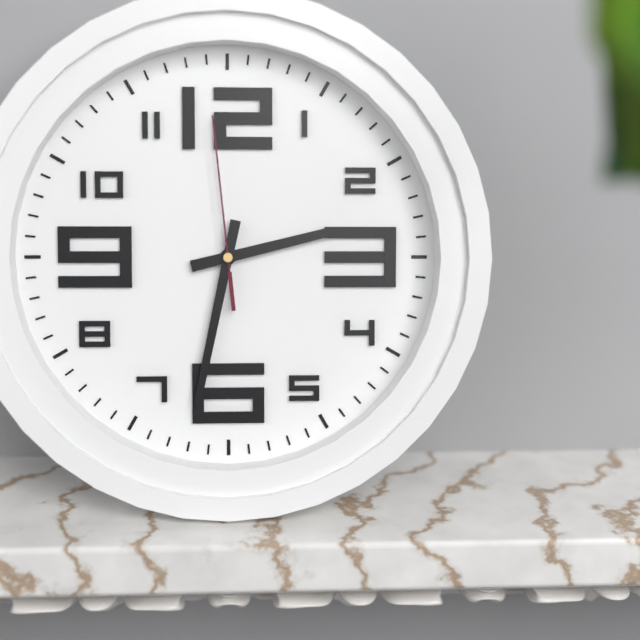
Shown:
2:32:59
